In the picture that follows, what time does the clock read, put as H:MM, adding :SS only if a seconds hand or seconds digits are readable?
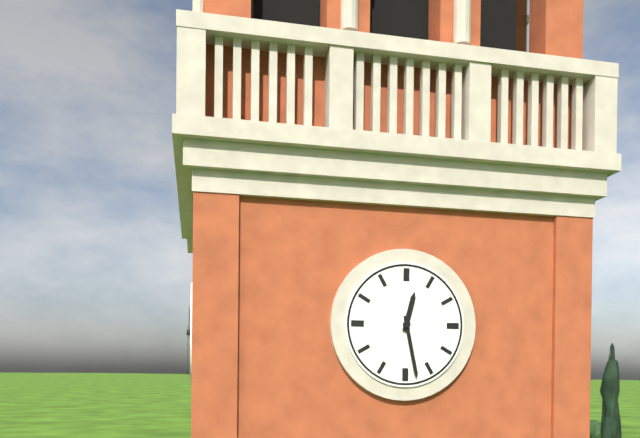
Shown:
12:28
